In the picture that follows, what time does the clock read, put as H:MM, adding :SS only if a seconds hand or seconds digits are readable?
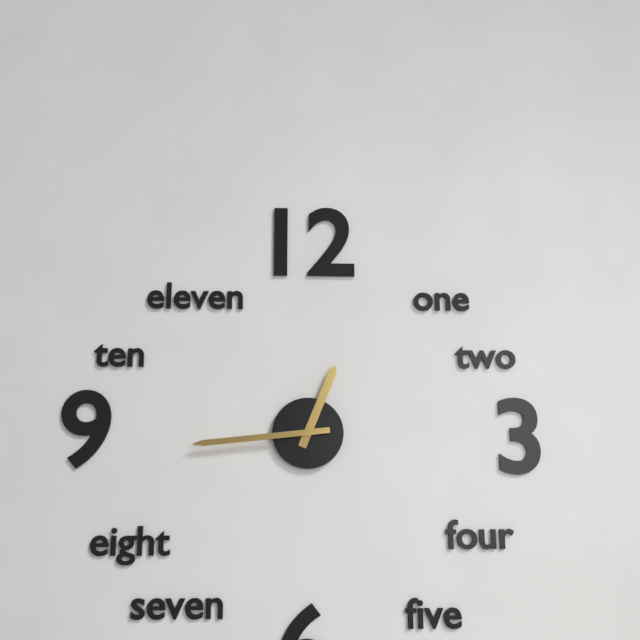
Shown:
12:44
